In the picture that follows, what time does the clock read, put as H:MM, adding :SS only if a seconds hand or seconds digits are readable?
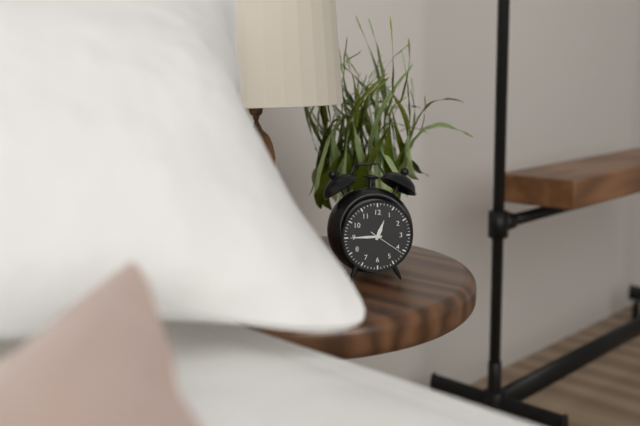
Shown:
12:45
